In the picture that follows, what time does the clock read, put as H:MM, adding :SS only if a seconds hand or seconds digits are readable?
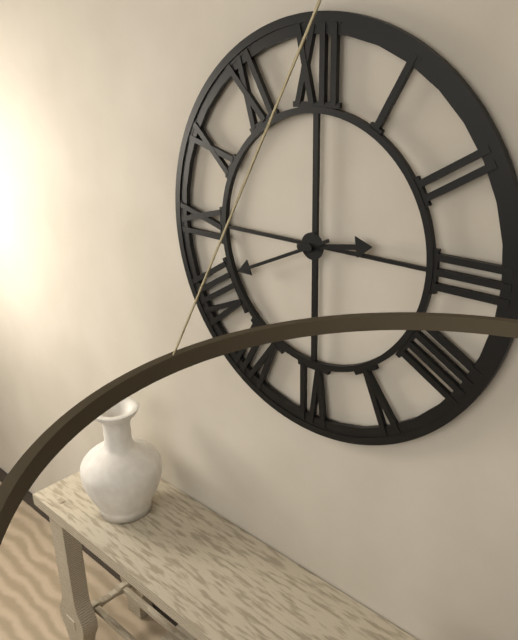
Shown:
2:41
